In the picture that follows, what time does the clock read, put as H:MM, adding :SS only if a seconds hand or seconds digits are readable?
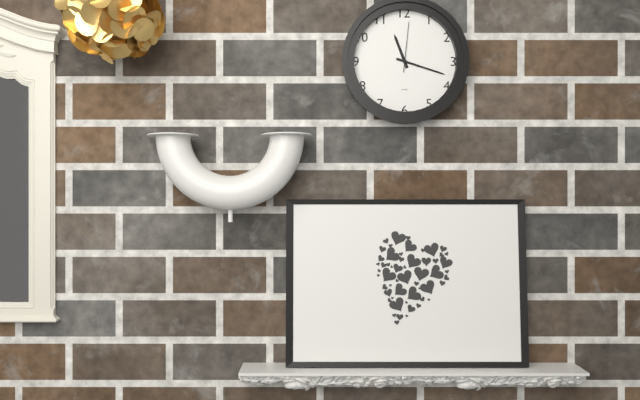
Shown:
11:18:01
